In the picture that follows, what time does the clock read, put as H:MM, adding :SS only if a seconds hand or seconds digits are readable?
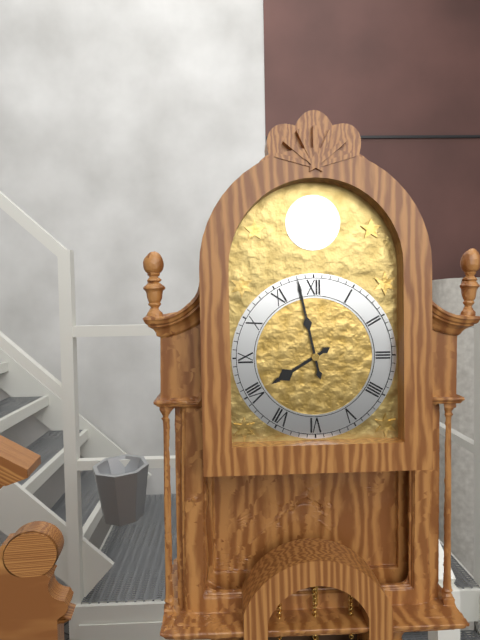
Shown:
7:58
